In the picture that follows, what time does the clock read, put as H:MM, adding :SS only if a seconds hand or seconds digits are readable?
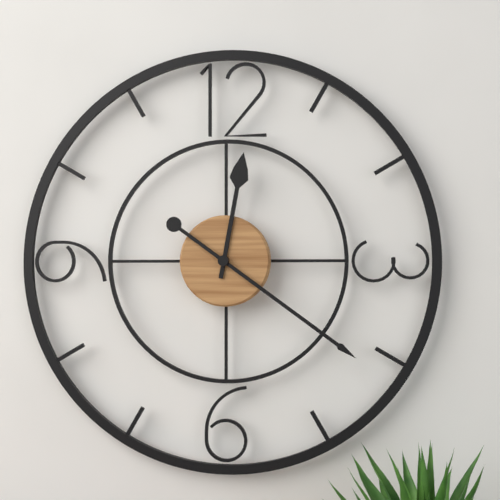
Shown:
12:21
